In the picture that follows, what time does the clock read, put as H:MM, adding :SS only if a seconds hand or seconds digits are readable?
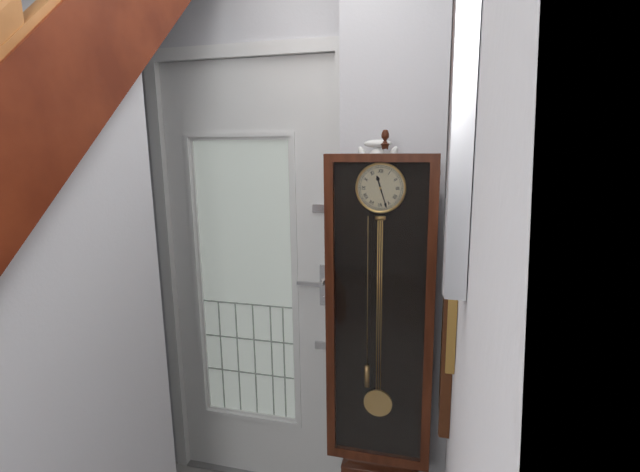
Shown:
11:27
